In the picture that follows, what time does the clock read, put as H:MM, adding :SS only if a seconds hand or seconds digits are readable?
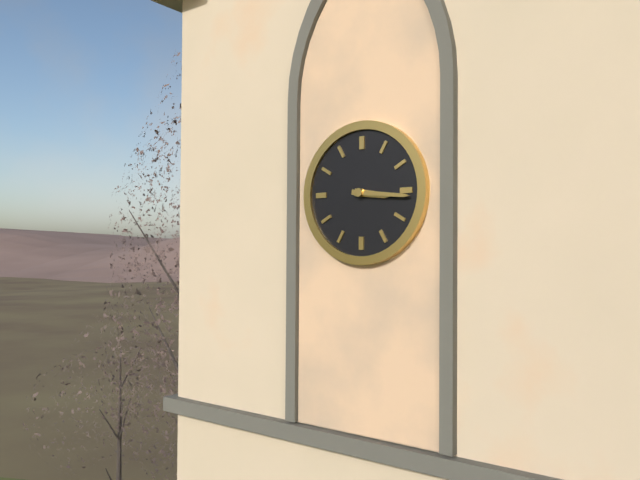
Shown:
3:16
